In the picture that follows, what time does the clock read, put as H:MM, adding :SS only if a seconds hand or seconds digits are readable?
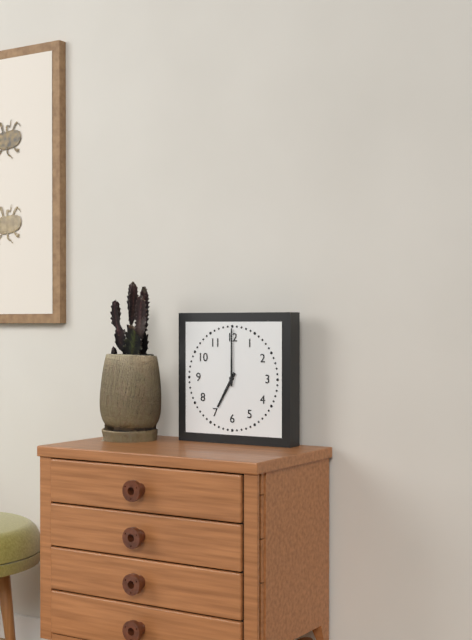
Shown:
7:00
